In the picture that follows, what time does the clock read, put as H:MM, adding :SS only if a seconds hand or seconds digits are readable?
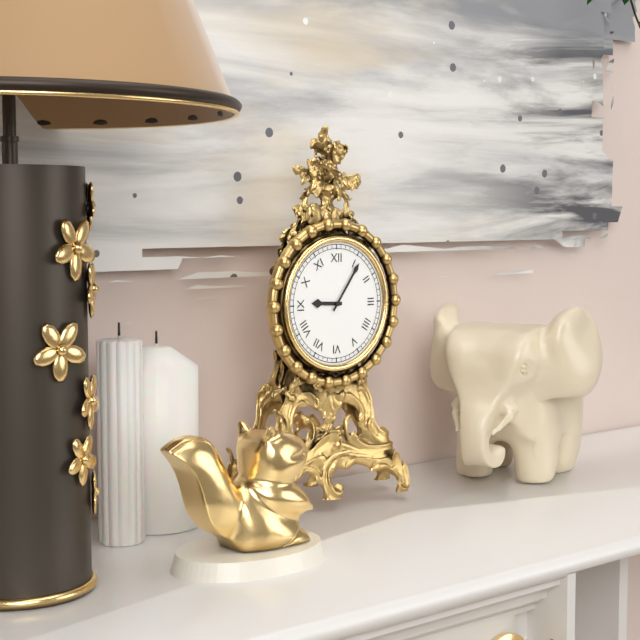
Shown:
9:06
